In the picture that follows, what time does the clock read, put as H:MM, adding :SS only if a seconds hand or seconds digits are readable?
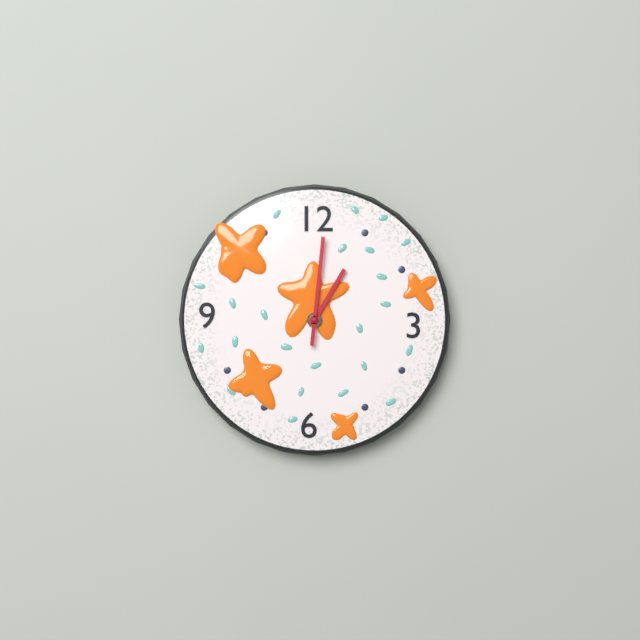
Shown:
1:01
